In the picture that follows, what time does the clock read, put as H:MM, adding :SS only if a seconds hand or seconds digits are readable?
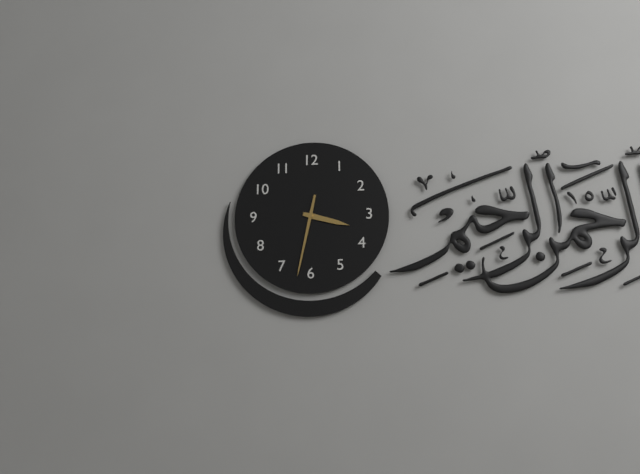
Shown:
3:32
